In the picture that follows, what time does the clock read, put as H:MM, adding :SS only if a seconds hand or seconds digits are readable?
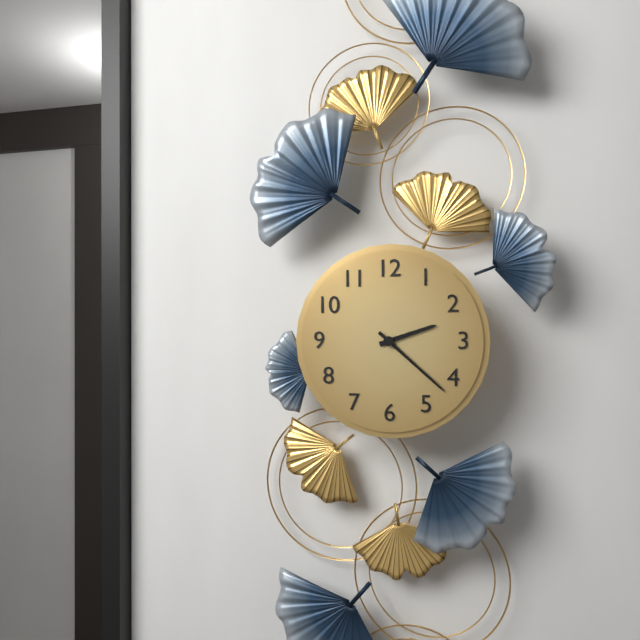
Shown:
2:22
